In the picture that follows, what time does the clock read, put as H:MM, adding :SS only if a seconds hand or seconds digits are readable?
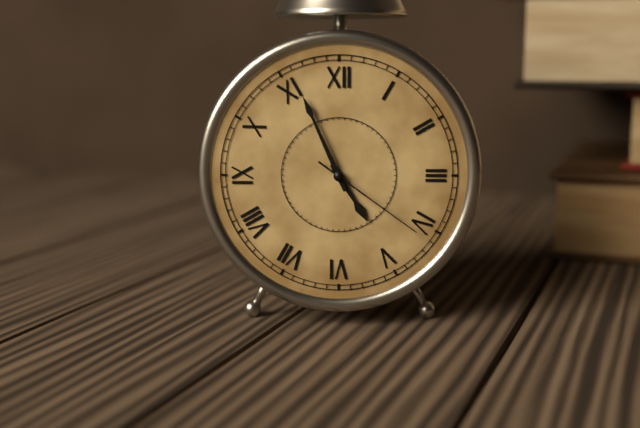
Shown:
4:56:21
